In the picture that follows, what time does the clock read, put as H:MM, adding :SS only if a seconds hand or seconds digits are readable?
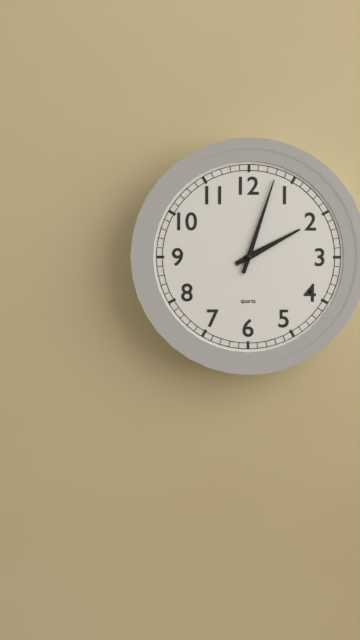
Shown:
2:03
